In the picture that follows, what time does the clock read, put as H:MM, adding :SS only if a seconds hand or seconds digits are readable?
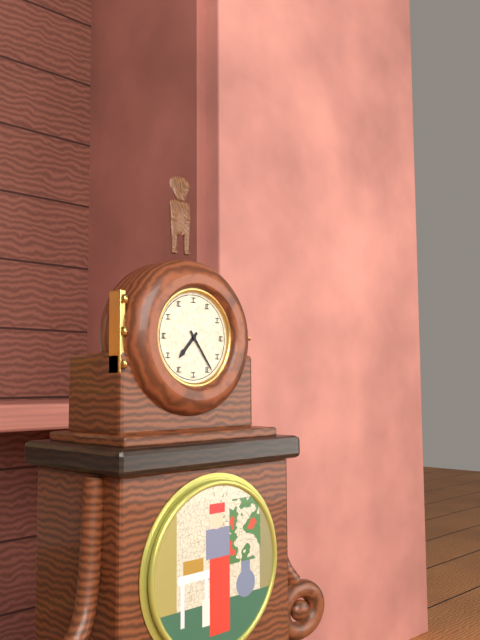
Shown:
7:24
